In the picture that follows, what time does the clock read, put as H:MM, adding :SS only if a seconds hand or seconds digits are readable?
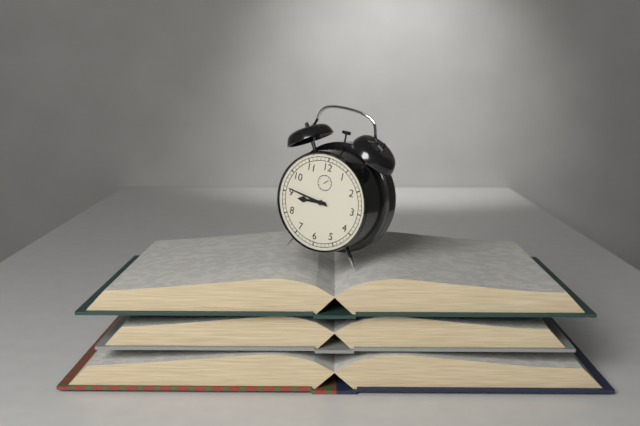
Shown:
8:46
